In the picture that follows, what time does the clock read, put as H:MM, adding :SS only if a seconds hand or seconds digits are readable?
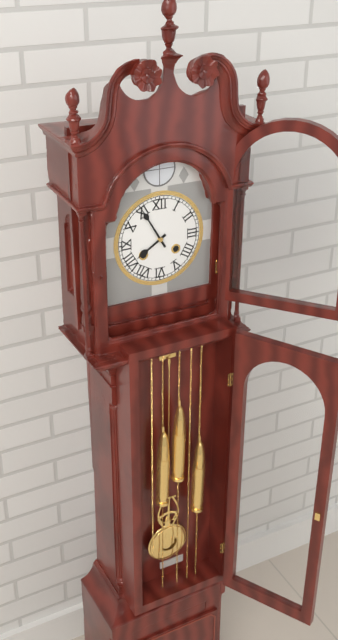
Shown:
7:55
